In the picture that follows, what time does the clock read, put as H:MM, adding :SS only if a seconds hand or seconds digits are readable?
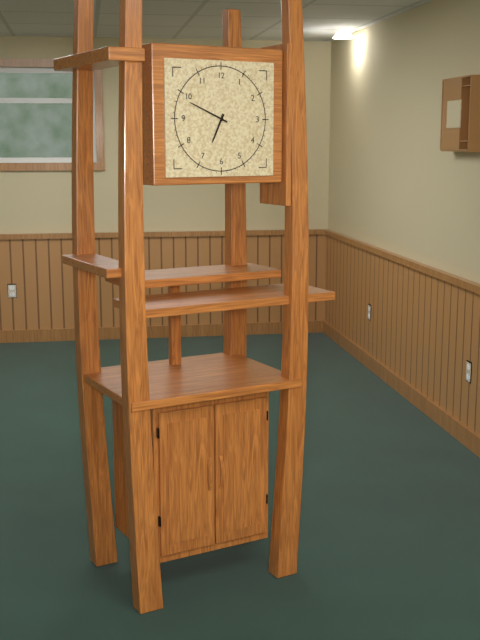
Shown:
6:49
